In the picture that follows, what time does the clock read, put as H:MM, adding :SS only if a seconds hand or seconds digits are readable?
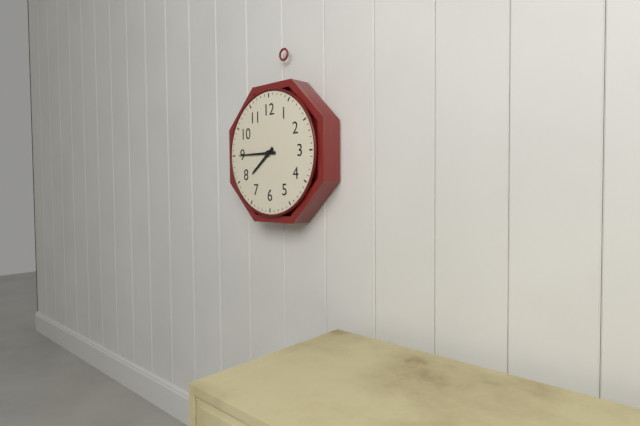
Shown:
7:45
